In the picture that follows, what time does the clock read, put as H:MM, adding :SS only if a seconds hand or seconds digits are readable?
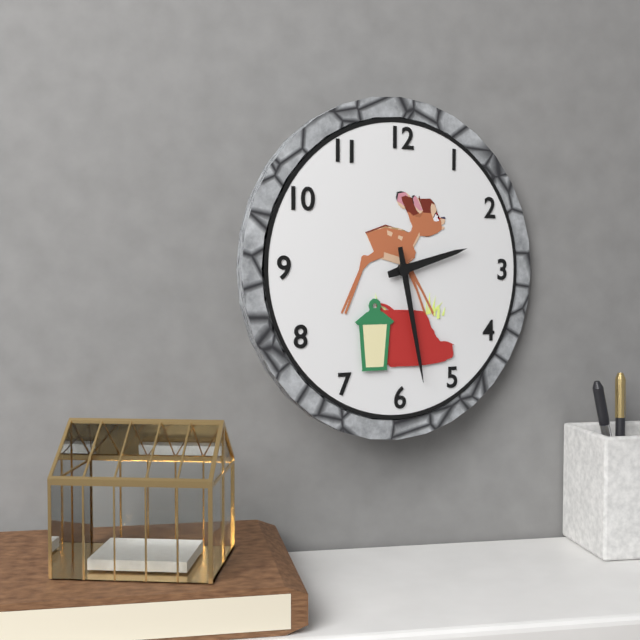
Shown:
2:28
